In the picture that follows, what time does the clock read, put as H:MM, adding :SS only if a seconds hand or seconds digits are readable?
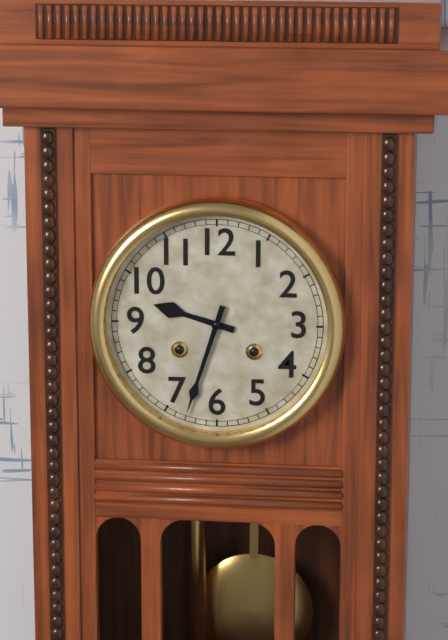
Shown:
9:33
